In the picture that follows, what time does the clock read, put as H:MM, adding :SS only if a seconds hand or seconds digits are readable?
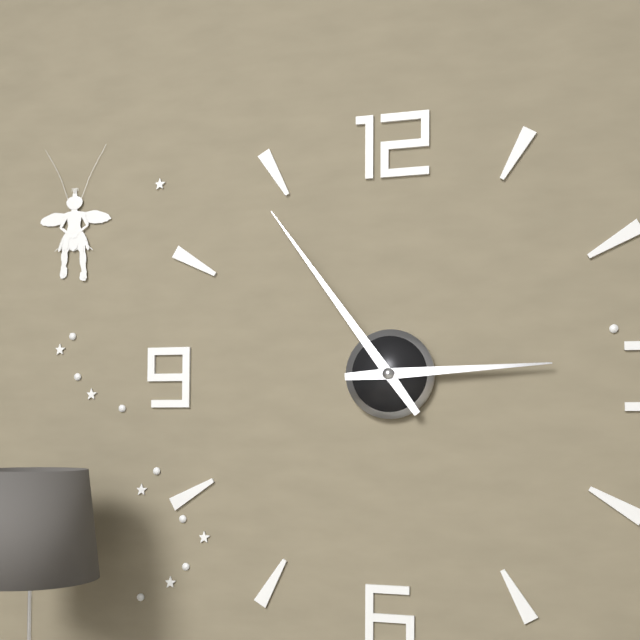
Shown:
2:54
